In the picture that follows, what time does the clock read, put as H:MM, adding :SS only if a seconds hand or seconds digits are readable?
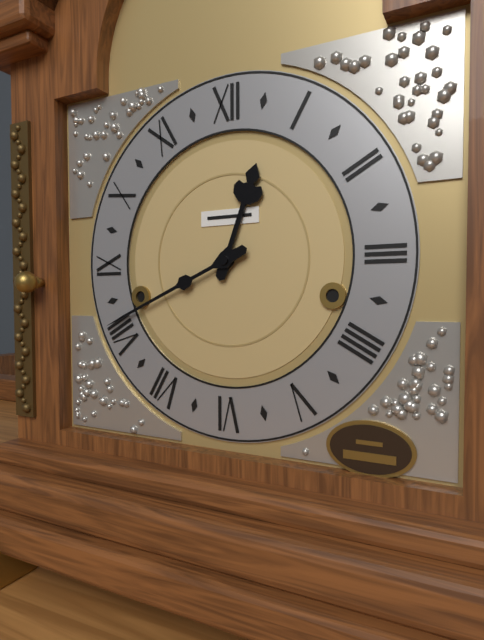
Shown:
12:41
